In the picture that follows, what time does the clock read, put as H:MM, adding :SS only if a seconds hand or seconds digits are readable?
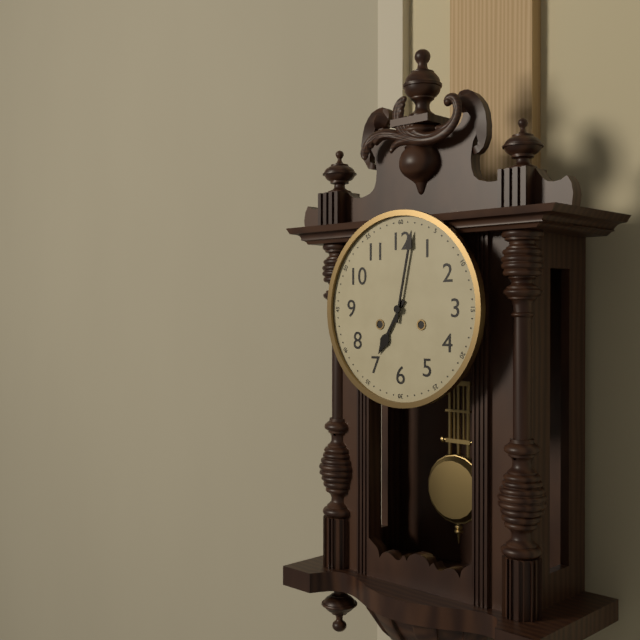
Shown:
7:02
